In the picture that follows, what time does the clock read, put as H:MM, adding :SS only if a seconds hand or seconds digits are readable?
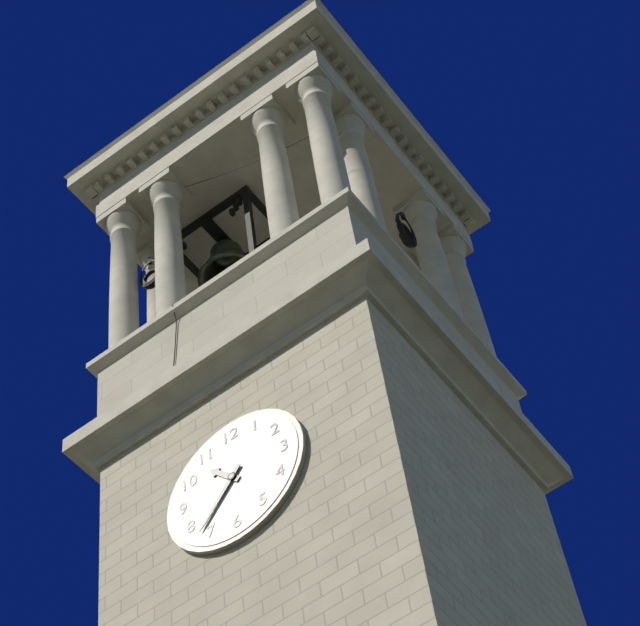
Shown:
10:37
